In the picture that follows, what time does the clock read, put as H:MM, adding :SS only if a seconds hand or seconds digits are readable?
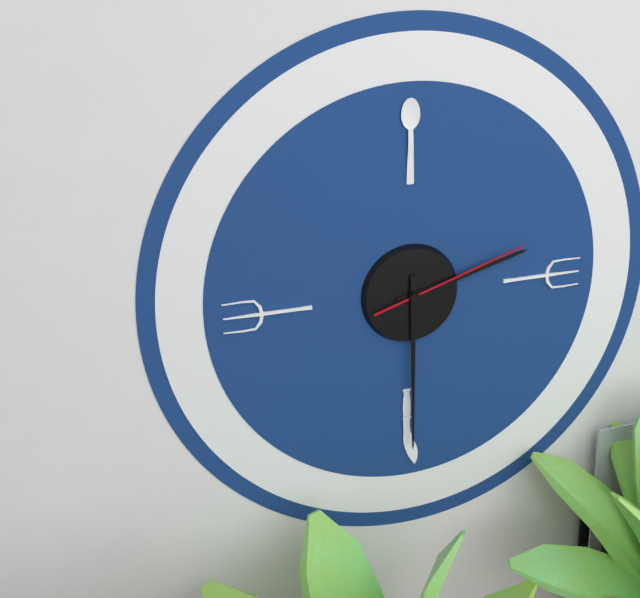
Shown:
2:30:12
